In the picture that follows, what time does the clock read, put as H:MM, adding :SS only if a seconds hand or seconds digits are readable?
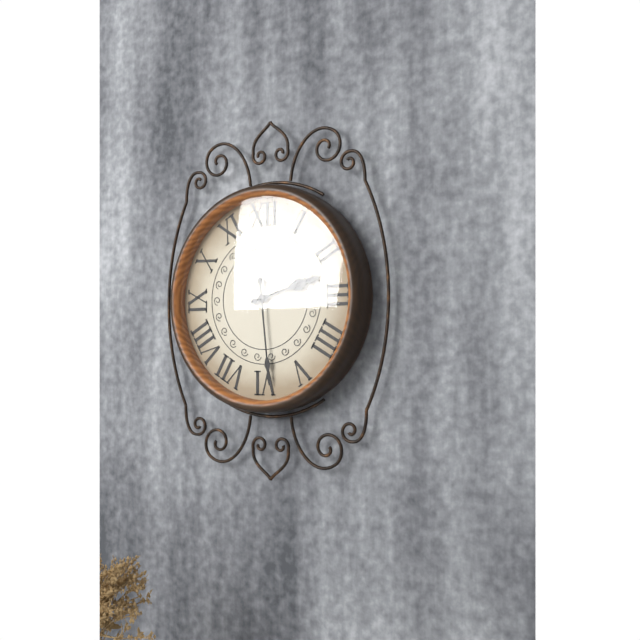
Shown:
2:29
